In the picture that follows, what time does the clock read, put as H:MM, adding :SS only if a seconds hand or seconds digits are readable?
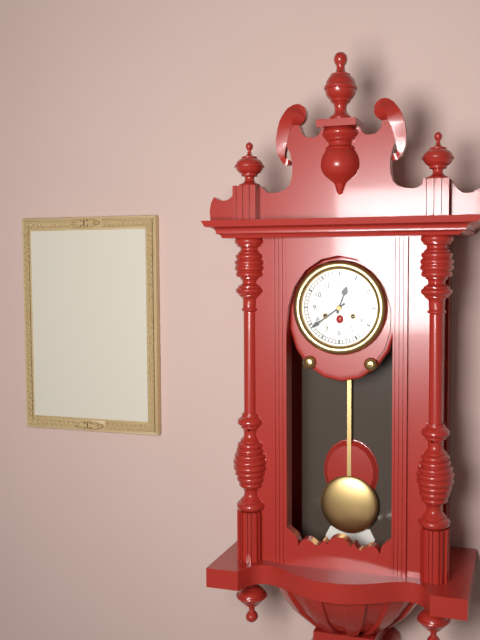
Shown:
12:39
